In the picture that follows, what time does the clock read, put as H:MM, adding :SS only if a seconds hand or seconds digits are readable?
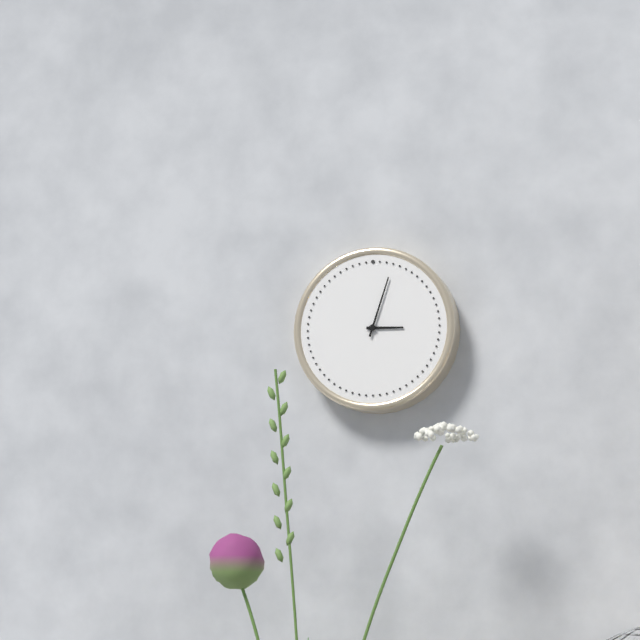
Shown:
3:03
